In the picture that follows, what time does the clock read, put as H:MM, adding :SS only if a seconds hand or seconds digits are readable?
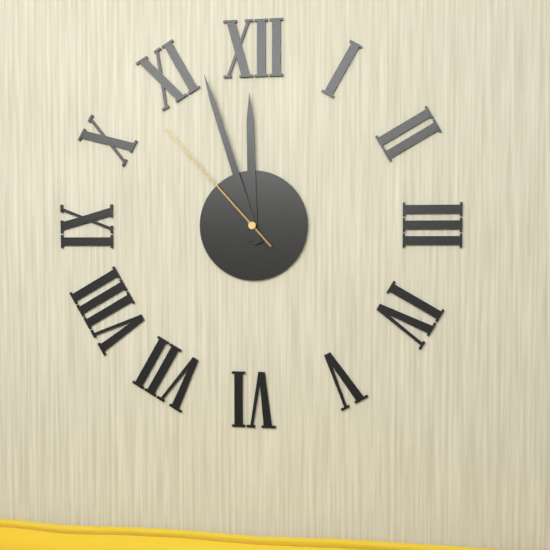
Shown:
11:57:53
